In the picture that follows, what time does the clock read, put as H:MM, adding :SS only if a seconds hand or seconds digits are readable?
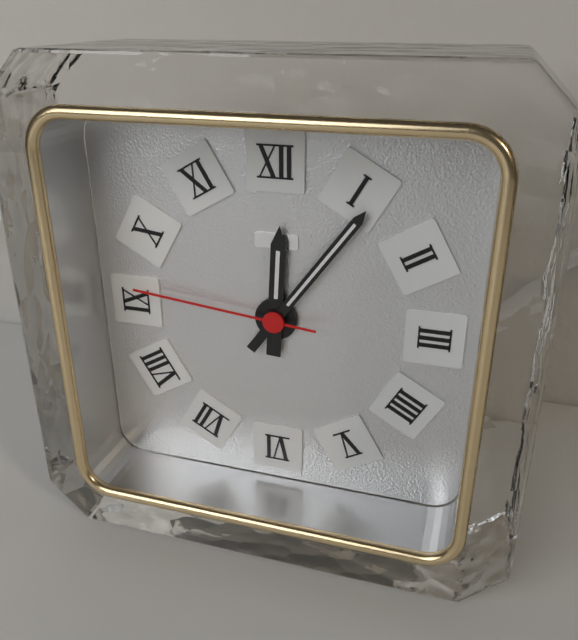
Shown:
12:06:46
